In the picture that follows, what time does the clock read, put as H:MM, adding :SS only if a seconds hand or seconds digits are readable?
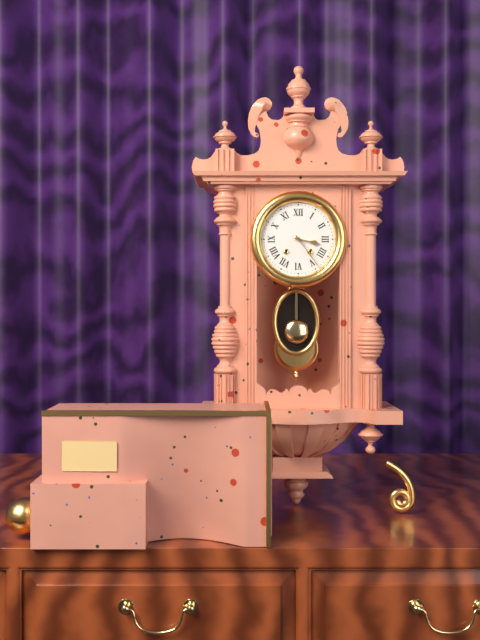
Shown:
3:24
